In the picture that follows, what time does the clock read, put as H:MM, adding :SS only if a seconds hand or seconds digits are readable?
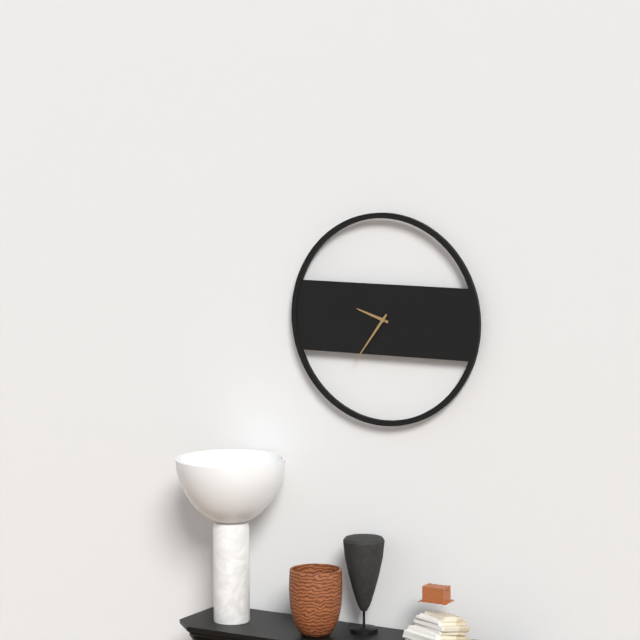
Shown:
9:36
